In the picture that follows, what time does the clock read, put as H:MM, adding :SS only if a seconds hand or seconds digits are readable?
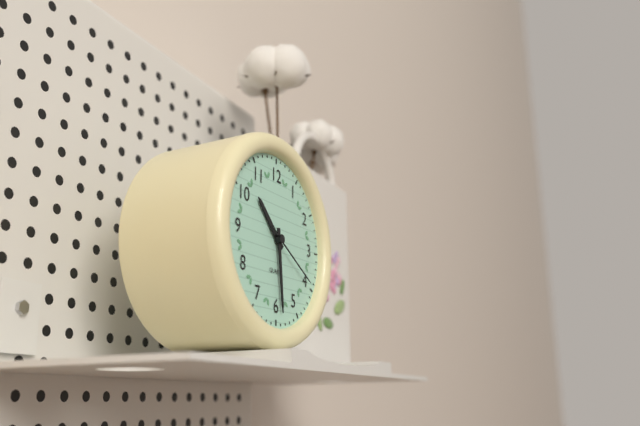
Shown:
10:29:20
